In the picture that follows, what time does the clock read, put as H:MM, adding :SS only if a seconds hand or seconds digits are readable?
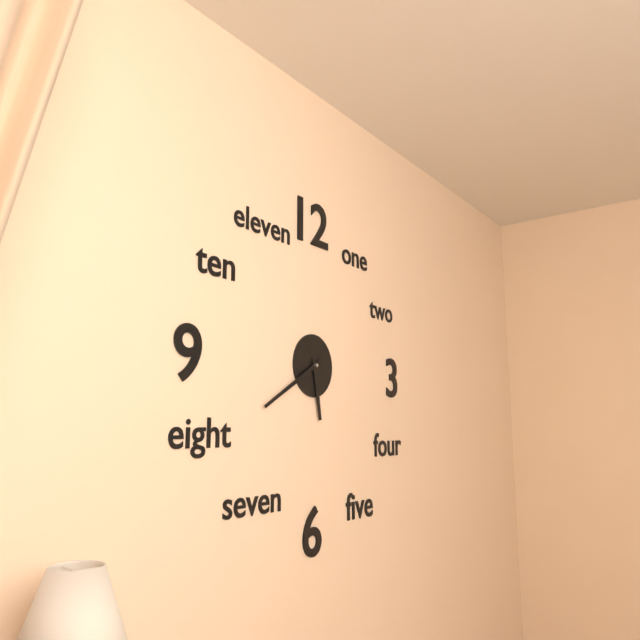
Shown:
5:40
